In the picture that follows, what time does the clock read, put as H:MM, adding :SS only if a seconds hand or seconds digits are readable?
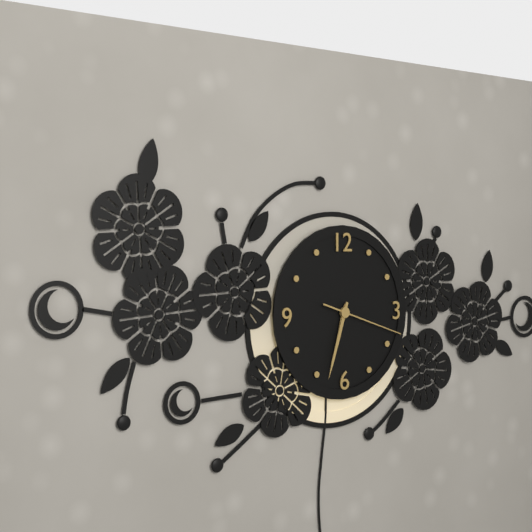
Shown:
6:33:18
